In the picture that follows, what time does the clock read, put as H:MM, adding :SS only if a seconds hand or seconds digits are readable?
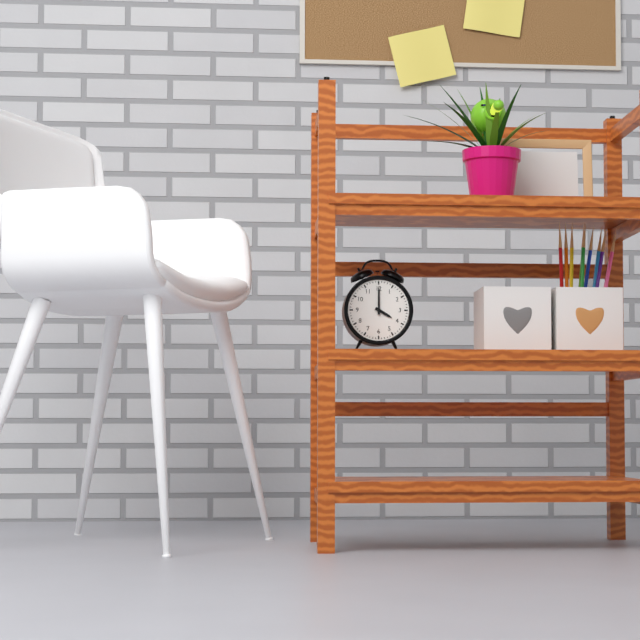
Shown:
4:00
